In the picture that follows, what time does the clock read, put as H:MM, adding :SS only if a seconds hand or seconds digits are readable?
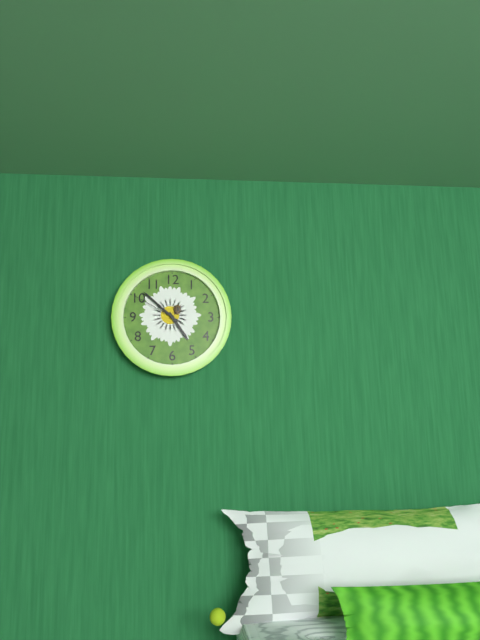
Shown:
4:52:50
